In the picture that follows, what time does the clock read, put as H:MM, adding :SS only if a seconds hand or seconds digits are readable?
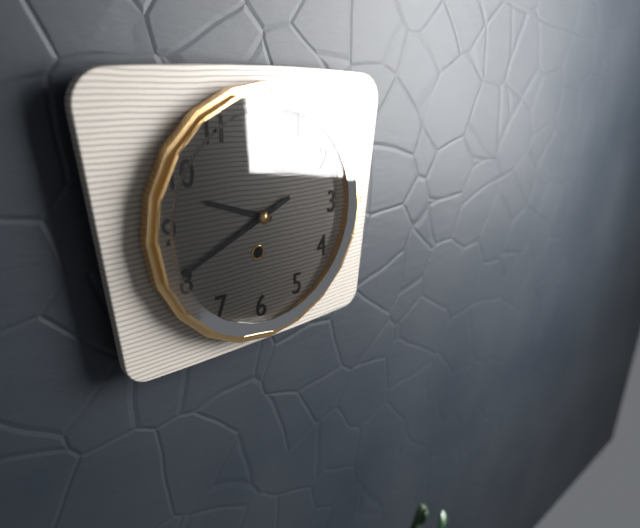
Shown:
9:41
